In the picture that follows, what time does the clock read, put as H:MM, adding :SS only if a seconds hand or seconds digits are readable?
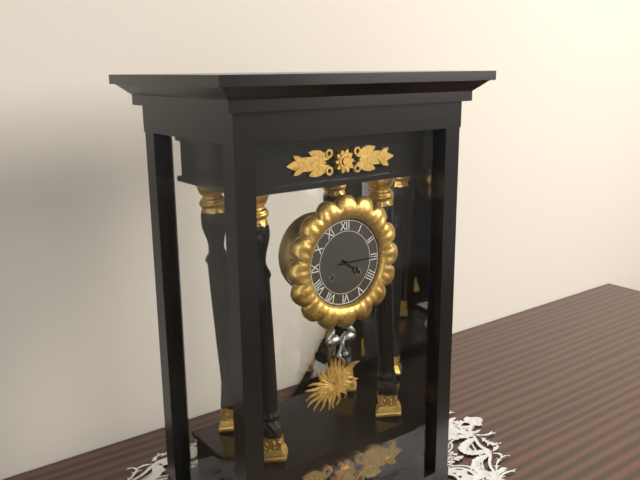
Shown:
4:15
